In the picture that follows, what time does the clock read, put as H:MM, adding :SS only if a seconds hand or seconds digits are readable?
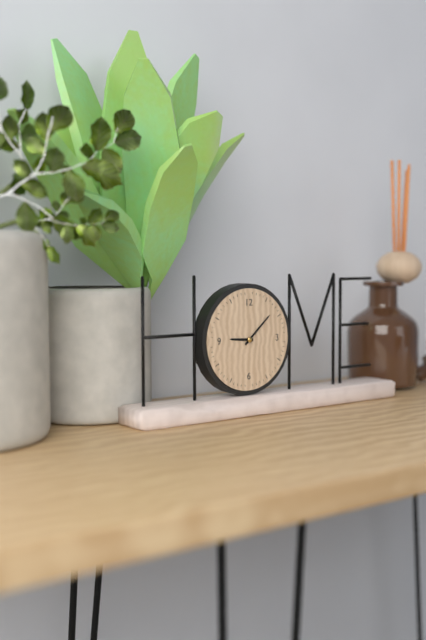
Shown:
9:08
